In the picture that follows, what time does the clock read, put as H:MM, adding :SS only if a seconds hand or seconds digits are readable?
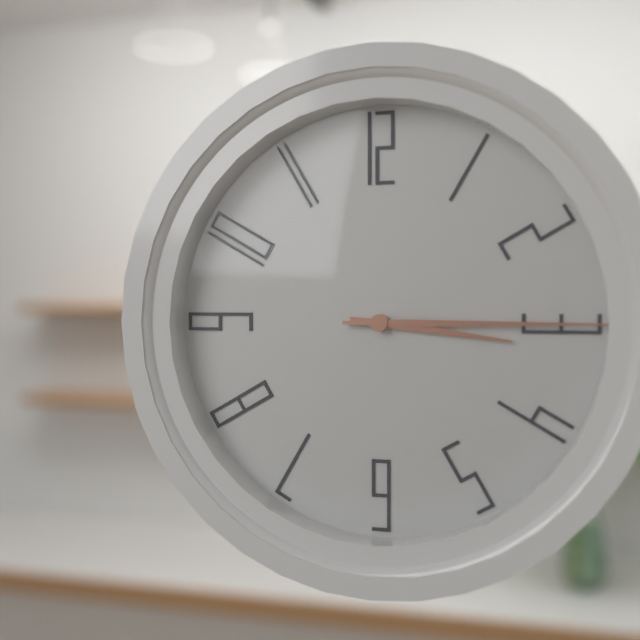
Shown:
3:15
